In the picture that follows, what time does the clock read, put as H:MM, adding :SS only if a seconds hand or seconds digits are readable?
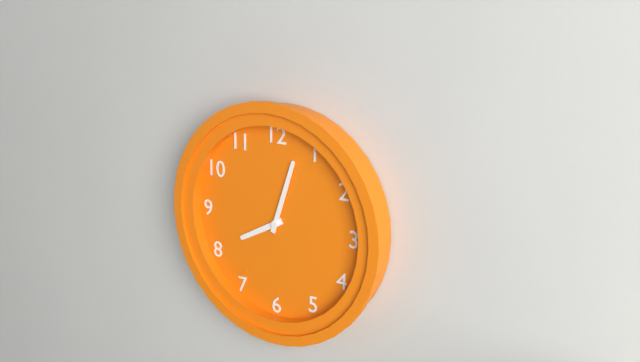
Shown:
8:03
